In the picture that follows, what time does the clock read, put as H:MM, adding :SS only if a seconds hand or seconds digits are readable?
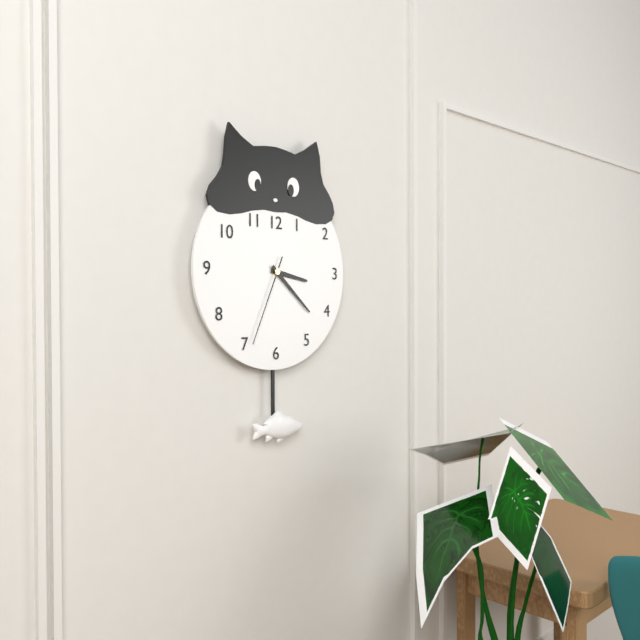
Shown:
3:22:34
